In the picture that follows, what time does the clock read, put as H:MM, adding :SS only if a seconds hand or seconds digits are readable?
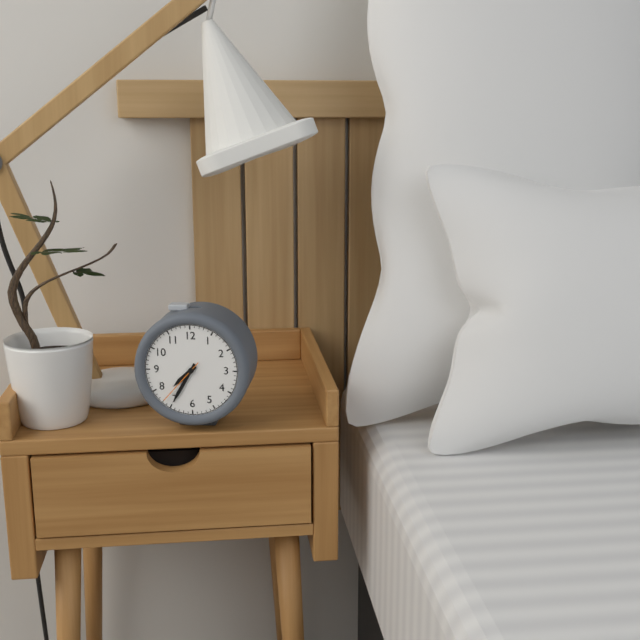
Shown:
7:35:37
